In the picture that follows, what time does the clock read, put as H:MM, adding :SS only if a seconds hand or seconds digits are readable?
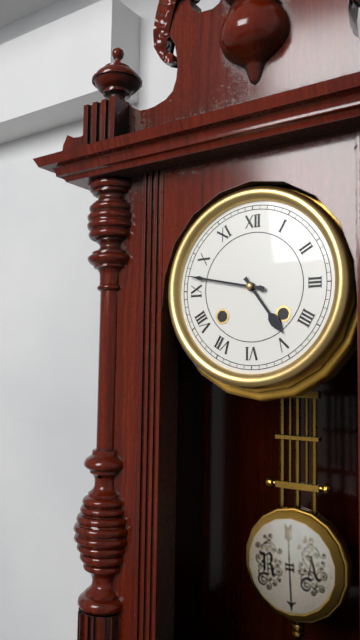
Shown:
4:47
